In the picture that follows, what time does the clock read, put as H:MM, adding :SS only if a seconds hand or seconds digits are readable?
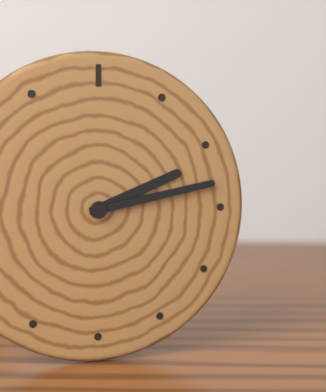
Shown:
2:13
